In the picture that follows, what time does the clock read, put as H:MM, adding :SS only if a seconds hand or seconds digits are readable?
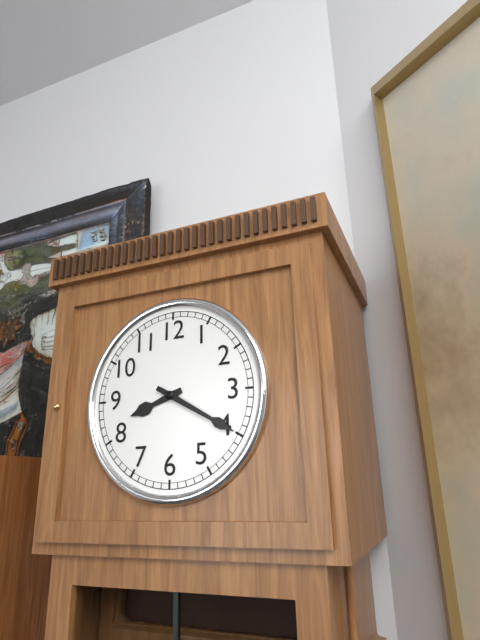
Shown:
8:20
